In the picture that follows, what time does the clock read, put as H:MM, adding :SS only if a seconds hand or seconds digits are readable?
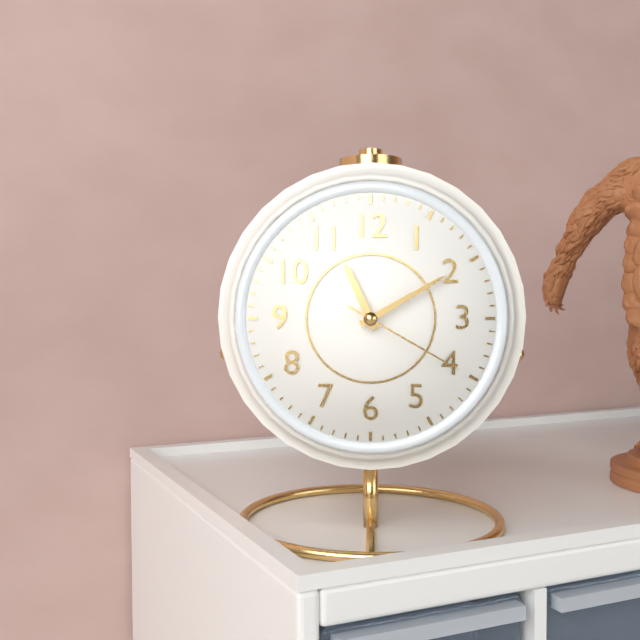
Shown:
11:10:20
